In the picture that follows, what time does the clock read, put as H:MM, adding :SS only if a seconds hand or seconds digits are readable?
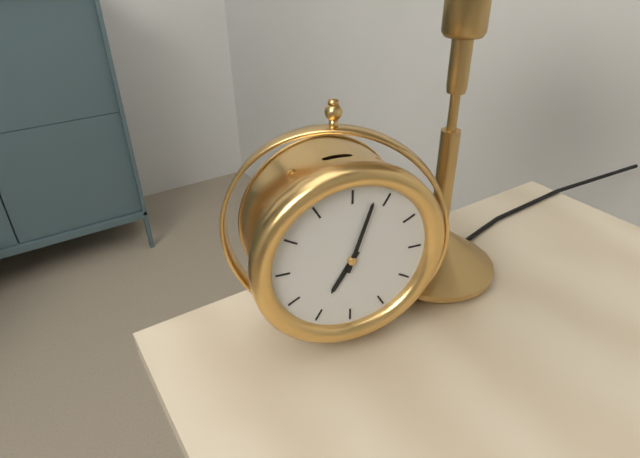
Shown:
7:03
